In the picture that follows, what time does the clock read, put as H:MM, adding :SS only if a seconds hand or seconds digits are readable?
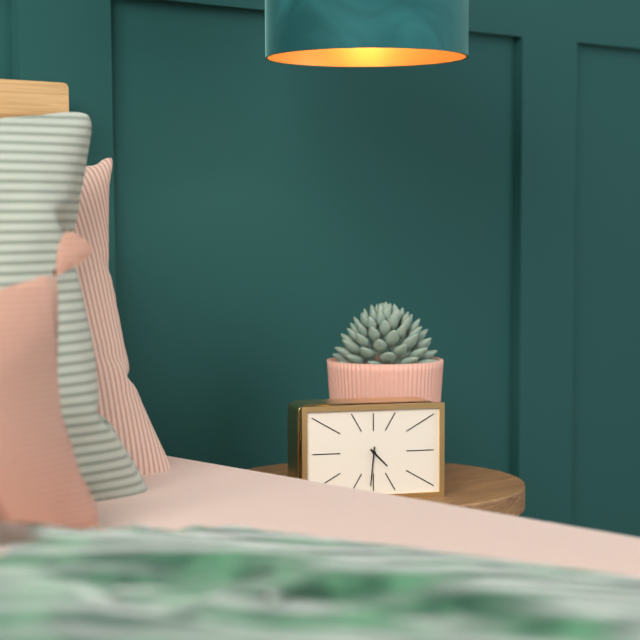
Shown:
4:31
